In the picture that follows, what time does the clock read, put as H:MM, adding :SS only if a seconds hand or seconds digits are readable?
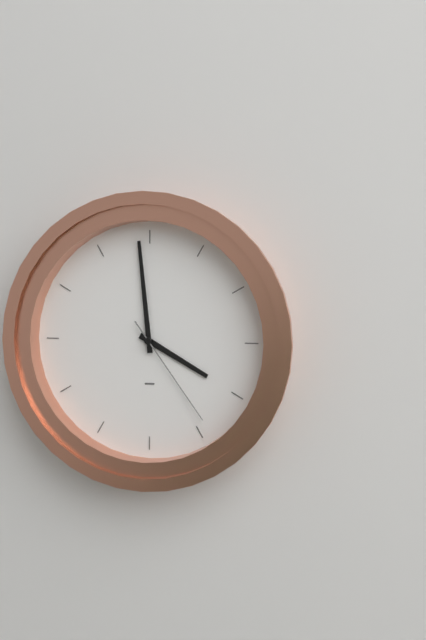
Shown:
3:59:24
